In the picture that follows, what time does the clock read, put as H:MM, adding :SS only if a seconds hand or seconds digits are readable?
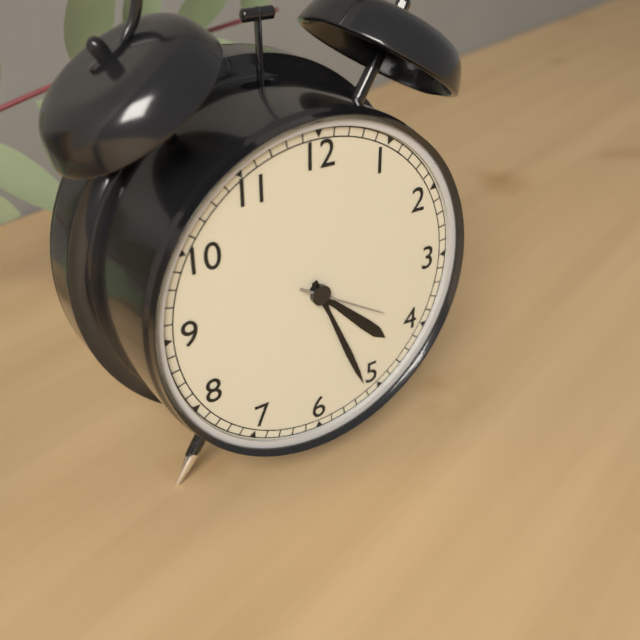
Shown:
4:26:20
